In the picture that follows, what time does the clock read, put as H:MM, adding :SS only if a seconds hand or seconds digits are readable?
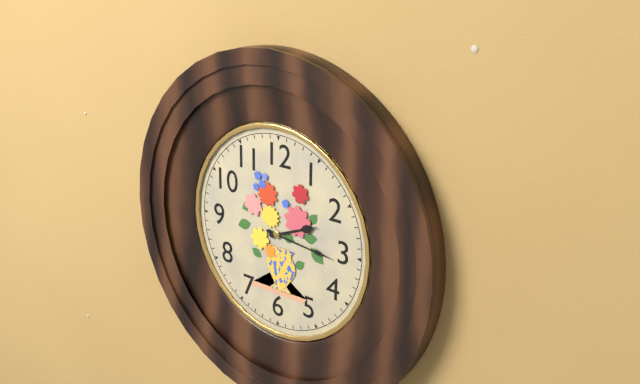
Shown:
2:16
